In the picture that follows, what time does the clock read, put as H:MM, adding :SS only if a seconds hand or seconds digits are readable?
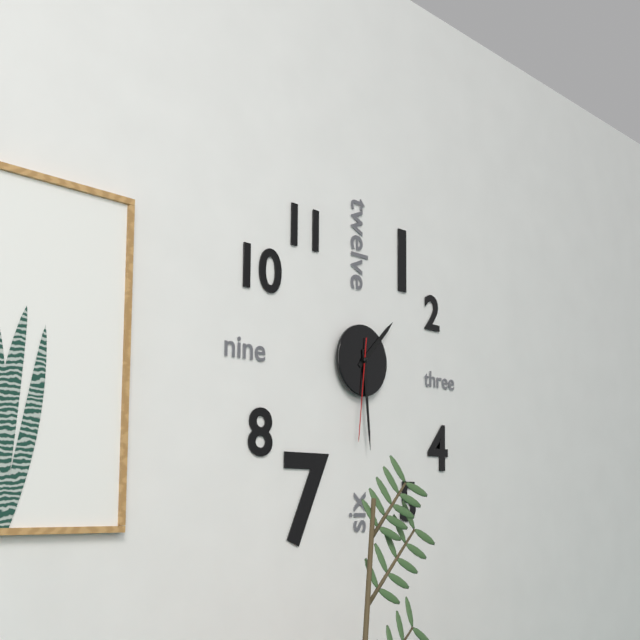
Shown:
1:29:31
